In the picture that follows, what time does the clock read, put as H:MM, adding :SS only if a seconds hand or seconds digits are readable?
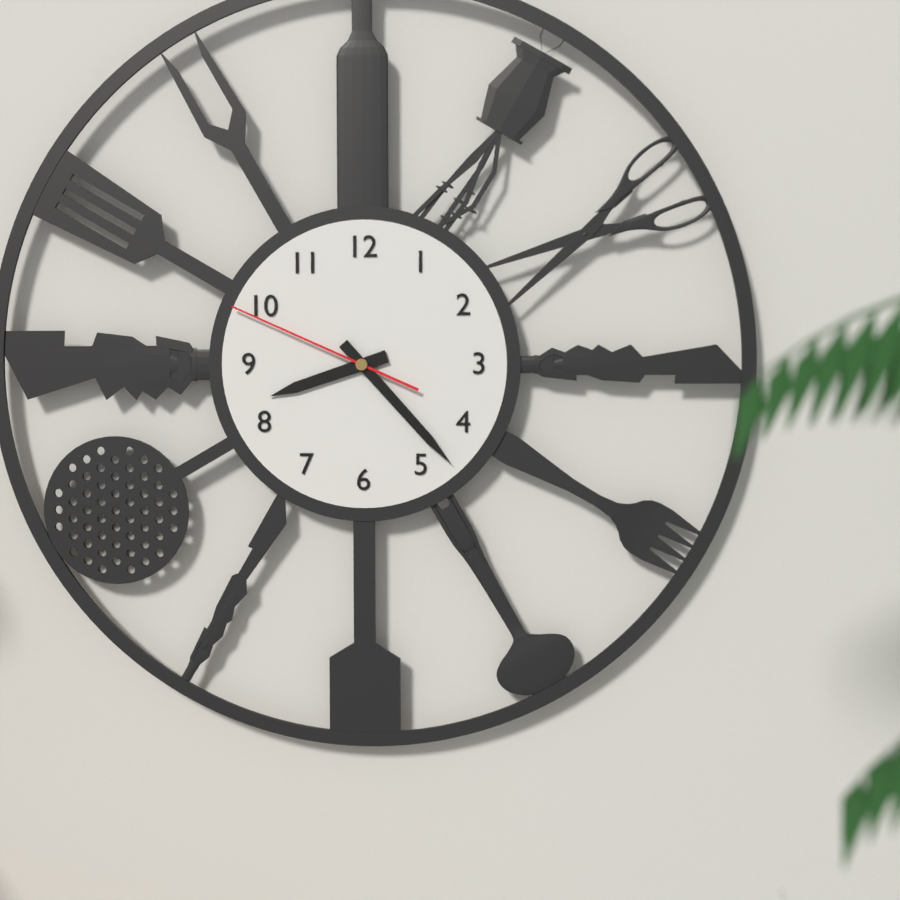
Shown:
8:23:49
